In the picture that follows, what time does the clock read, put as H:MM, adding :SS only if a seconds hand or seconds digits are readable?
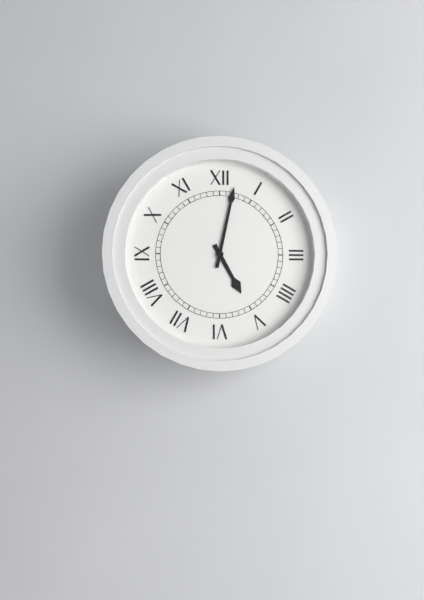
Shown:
5:02
